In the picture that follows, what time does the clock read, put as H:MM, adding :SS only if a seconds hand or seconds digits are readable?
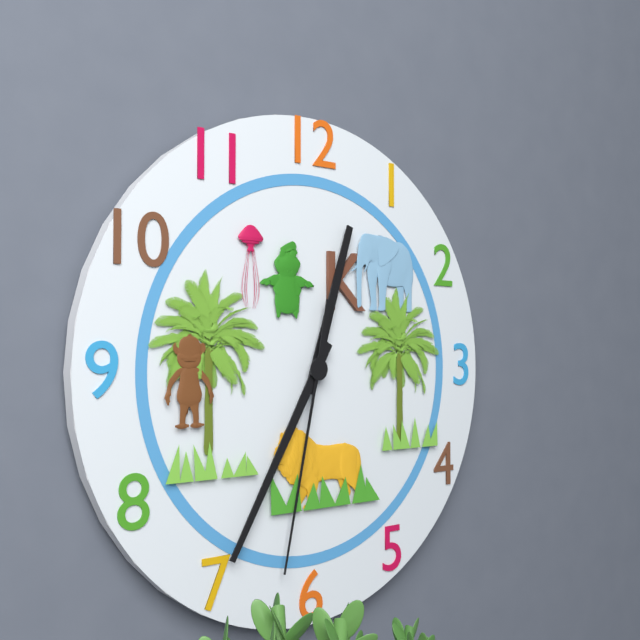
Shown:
12:35:32
